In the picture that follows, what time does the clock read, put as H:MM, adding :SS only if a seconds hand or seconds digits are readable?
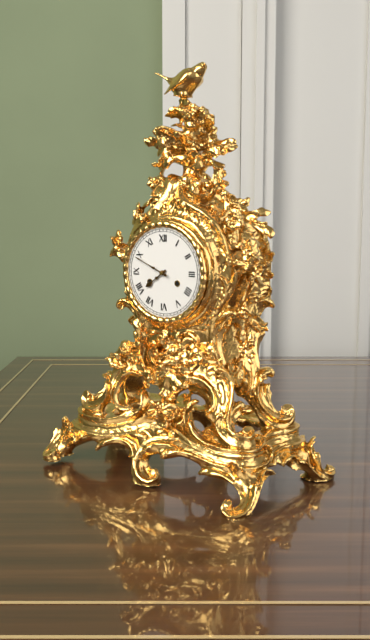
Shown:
7:49
